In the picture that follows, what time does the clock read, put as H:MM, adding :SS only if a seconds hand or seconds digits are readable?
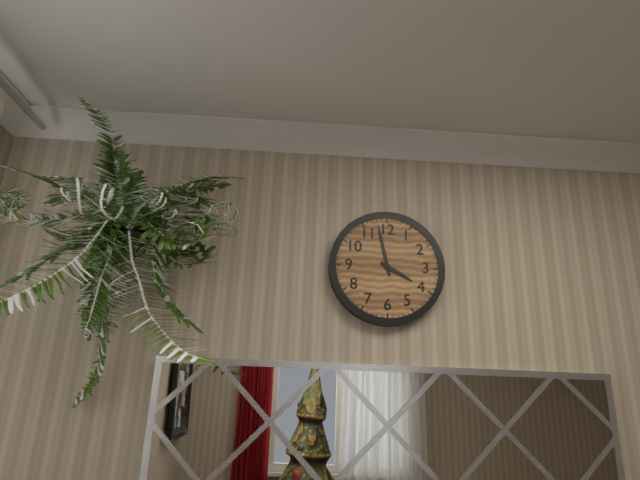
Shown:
3:58
